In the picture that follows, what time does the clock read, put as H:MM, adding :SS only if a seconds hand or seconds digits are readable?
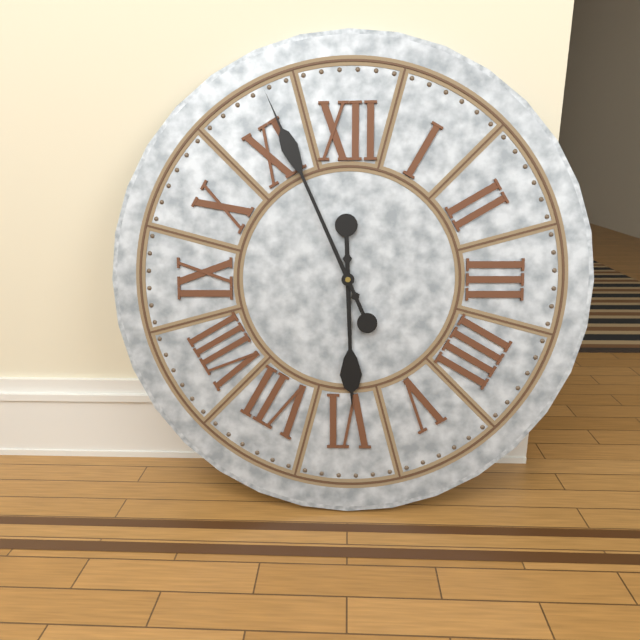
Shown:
5:56
